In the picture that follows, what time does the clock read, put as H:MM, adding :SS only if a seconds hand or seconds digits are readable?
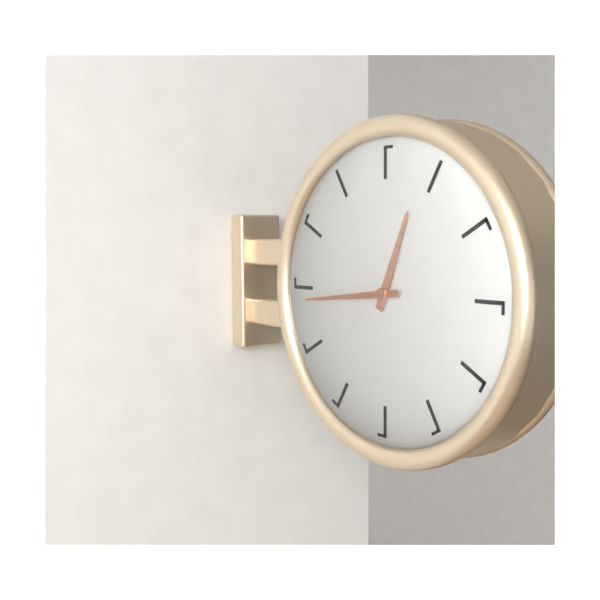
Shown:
12:44
